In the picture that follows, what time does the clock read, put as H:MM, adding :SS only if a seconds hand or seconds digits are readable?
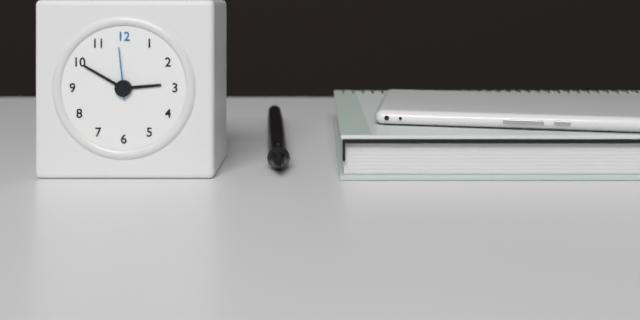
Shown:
2:50:59
